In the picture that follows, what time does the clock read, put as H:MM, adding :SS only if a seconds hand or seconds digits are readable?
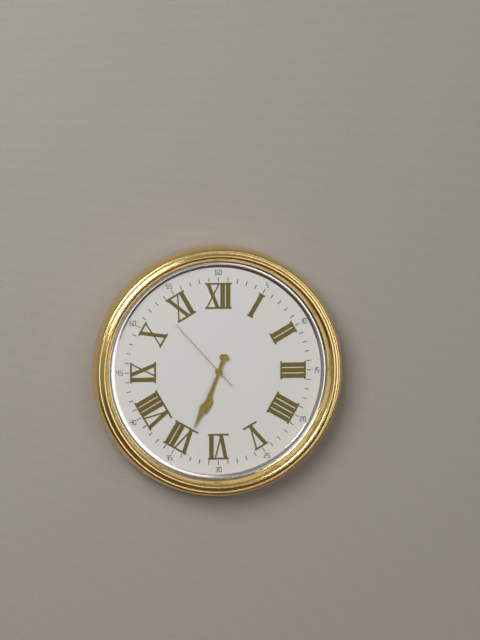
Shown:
6:34:53
